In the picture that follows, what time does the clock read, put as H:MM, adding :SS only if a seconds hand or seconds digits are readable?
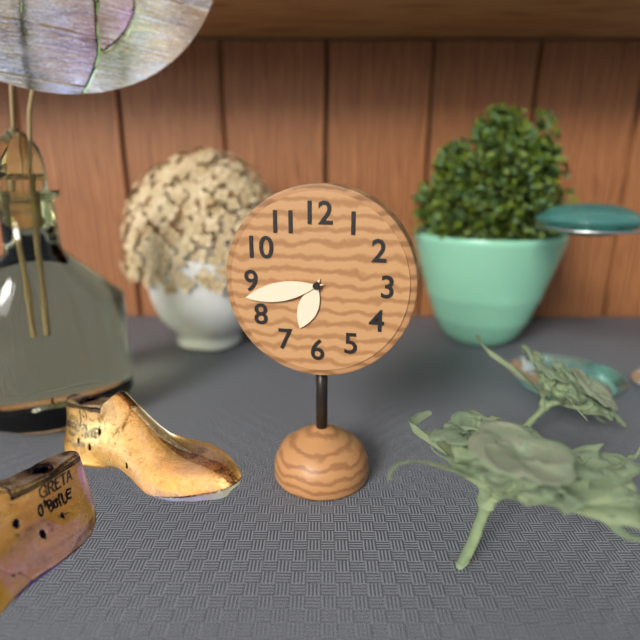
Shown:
6:43
